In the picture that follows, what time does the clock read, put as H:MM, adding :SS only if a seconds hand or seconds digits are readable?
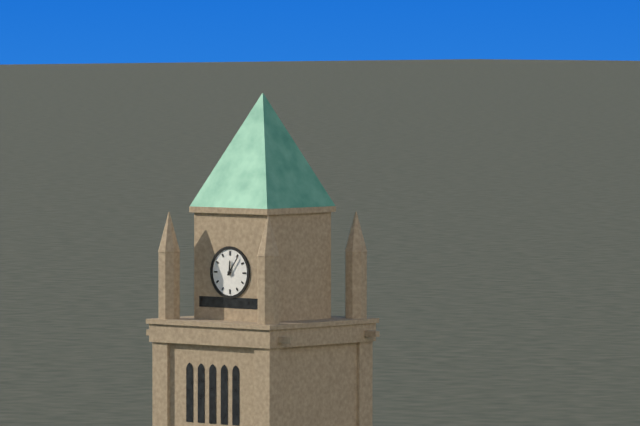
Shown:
12:06
